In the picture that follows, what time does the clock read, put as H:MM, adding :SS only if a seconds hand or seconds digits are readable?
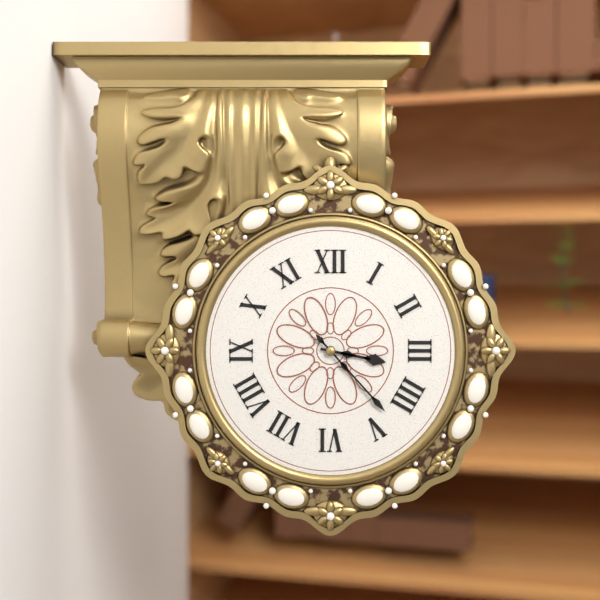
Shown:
3:23
